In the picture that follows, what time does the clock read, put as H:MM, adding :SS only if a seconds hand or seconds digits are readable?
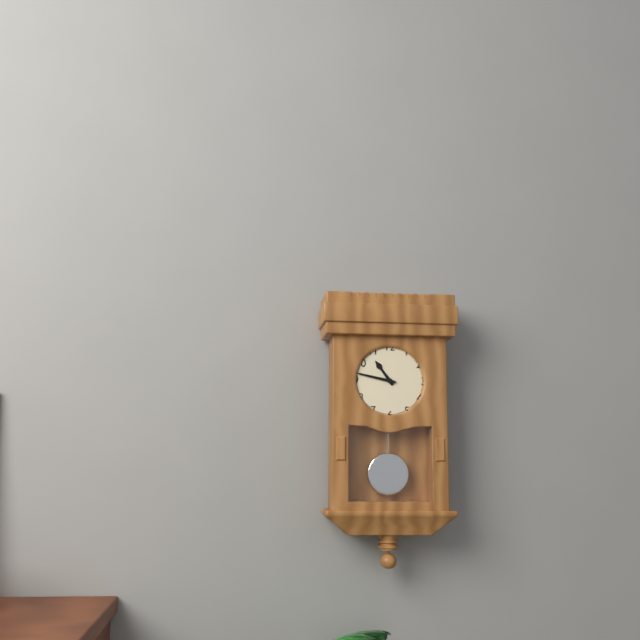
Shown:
10:47
